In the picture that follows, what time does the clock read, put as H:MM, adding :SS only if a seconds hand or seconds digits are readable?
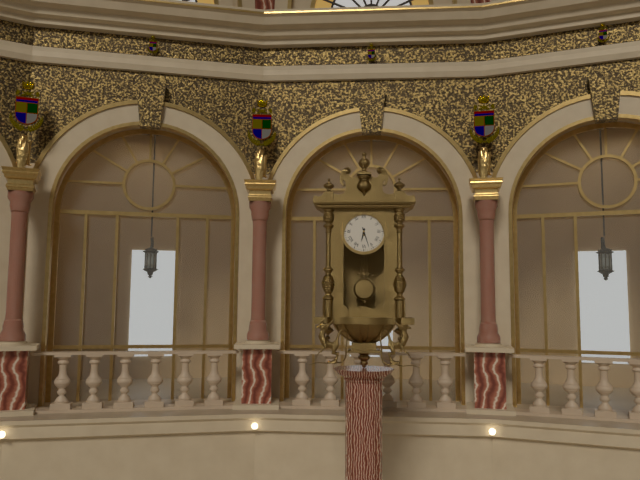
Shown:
6:27
